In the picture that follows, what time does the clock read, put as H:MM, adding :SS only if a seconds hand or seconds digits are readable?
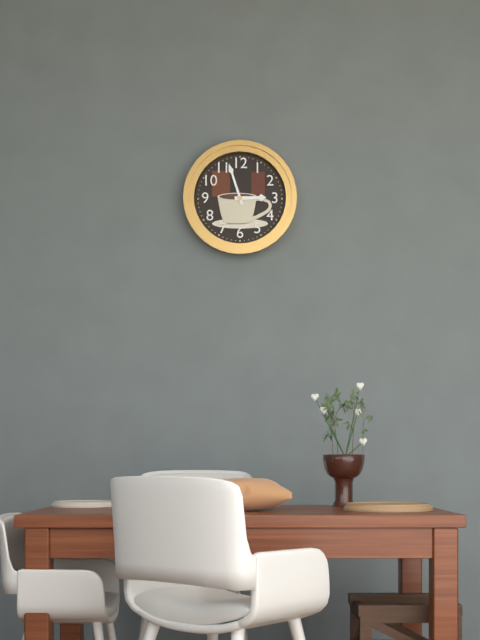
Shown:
2:57
